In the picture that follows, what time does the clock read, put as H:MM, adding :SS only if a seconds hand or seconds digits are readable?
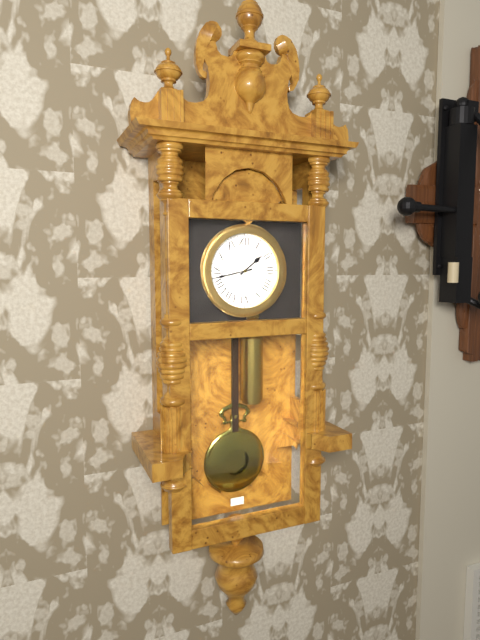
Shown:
1:43
